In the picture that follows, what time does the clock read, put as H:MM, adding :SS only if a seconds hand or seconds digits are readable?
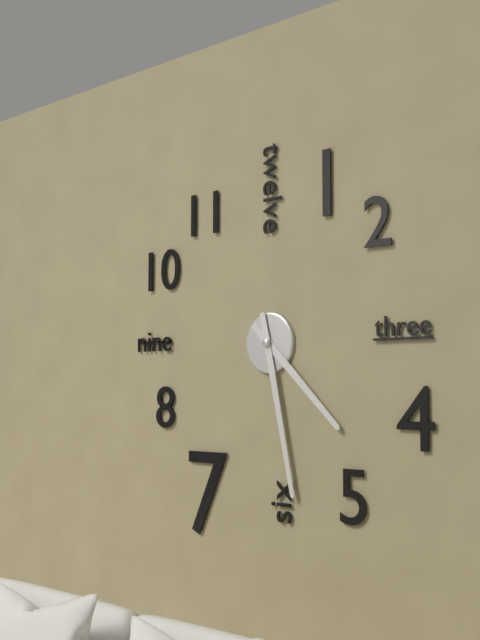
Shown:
4:28
